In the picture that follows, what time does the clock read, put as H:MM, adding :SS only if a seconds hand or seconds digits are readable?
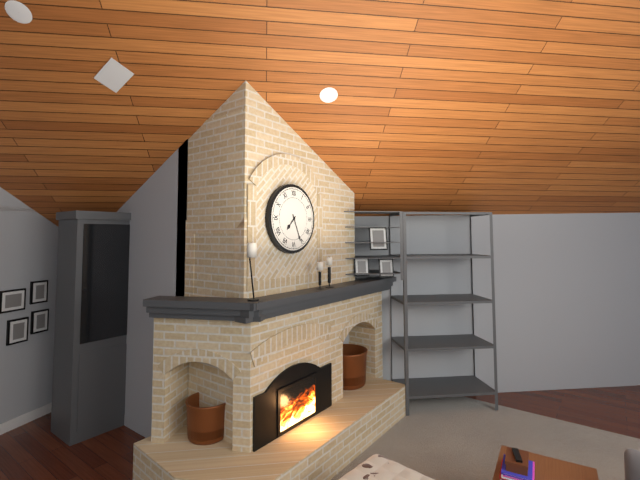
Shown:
7:26
